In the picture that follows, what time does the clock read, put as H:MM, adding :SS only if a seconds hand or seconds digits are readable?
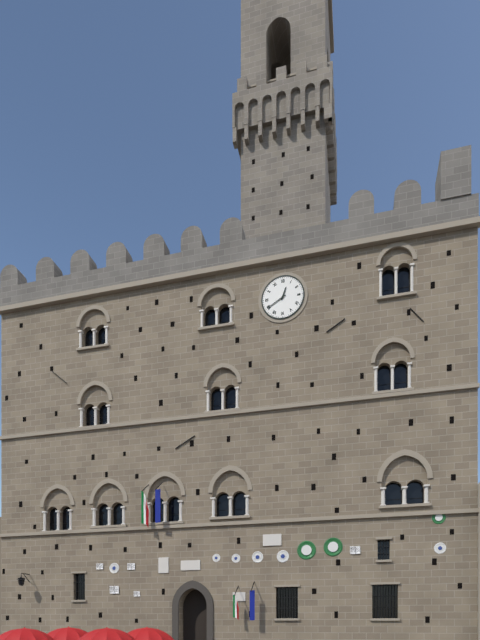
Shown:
12:40
